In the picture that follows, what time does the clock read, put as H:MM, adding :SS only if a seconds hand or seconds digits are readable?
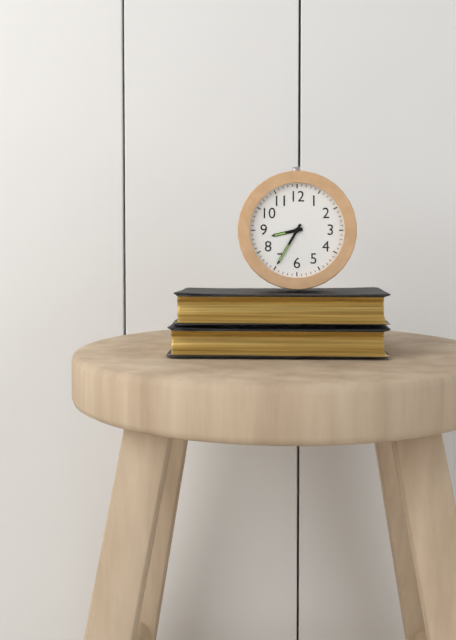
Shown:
8:35
